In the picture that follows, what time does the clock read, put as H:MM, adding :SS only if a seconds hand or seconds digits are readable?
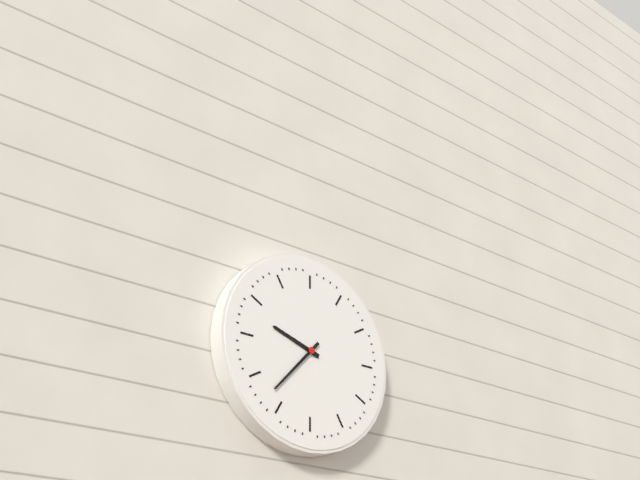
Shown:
9:37
